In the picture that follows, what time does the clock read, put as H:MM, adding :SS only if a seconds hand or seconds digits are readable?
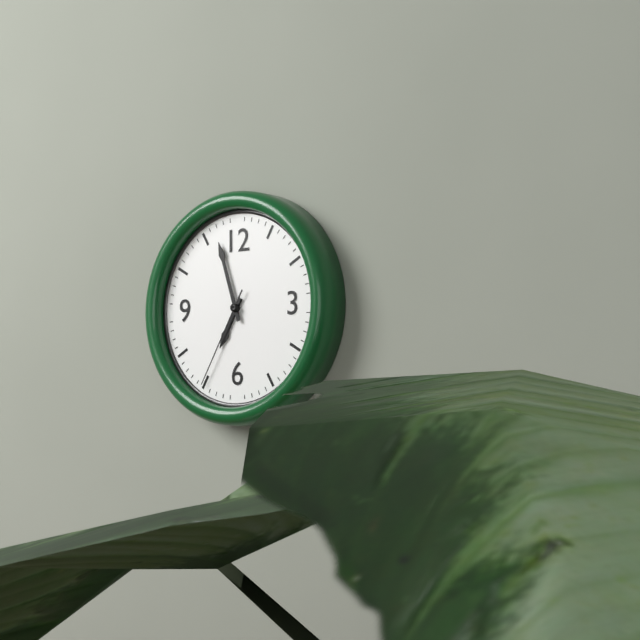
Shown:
6:57:35
